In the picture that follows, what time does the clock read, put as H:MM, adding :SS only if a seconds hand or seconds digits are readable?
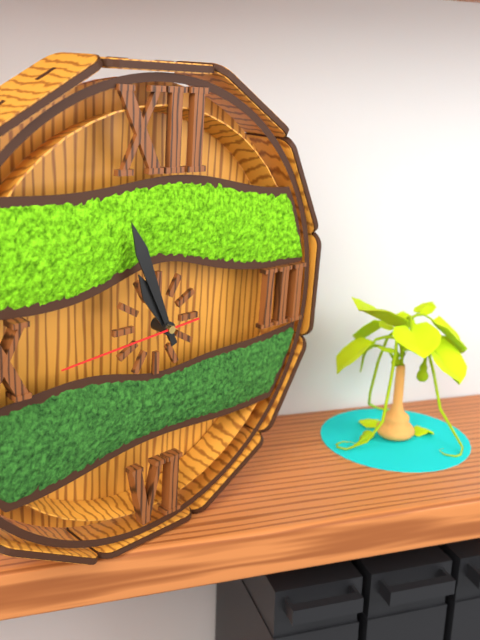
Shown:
10:56:44
